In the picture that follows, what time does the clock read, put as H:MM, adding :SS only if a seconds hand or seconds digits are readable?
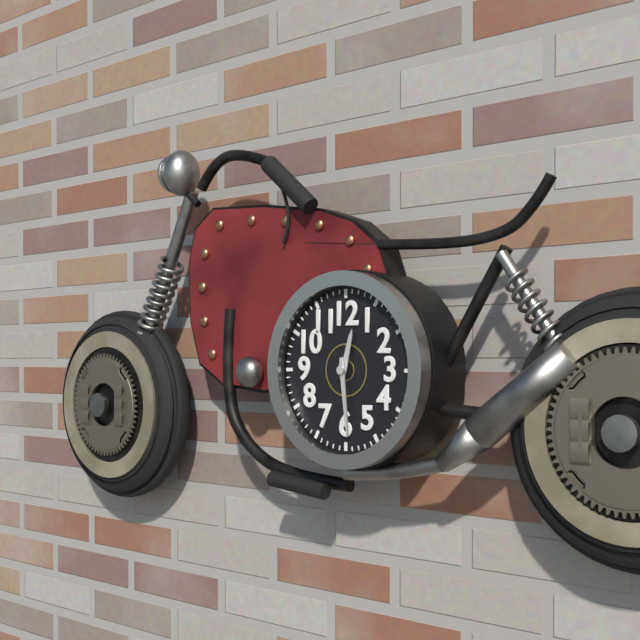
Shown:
12:29
